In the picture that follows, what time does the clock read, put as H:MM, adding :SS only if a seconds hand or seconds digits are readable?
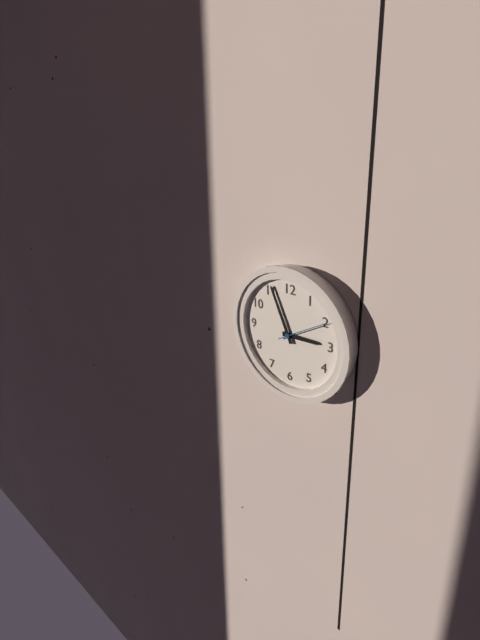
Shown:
2:56:10
